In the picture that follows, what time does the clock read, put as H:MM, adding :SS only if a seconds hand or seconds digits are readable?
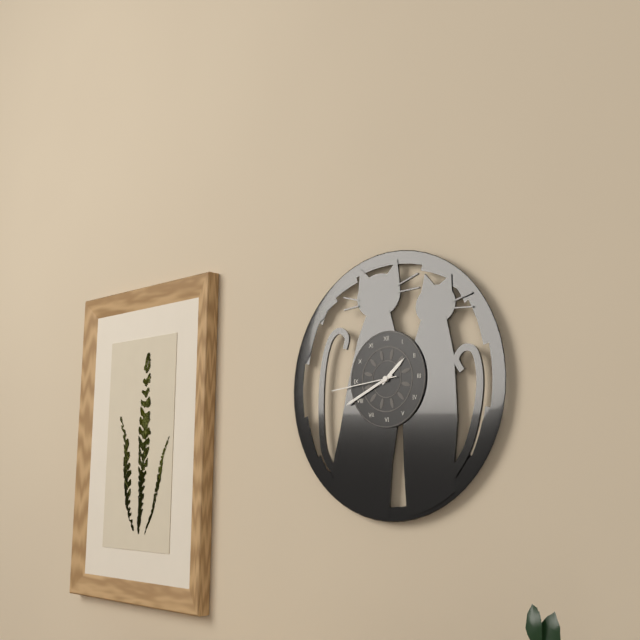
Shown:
1:41:44
